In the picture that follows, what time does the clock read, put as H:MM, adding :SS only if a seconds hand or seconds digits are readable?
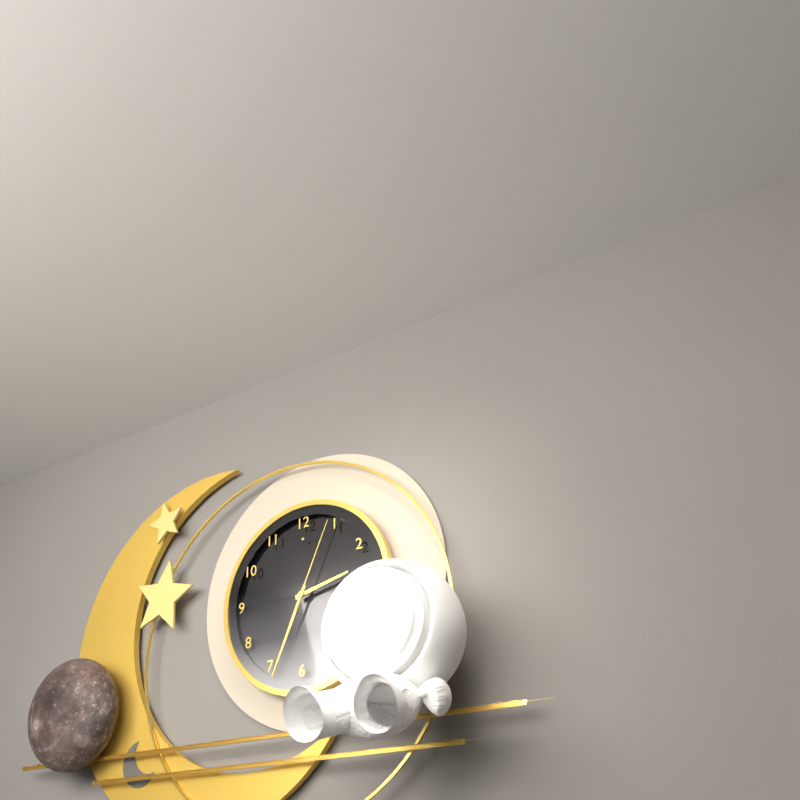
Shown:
2:34:04
